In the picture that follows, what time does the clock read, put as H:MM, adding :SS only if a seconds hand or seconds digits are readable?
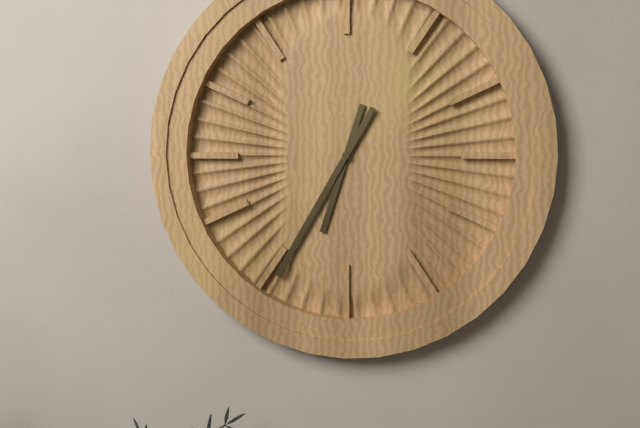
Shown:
6:35
